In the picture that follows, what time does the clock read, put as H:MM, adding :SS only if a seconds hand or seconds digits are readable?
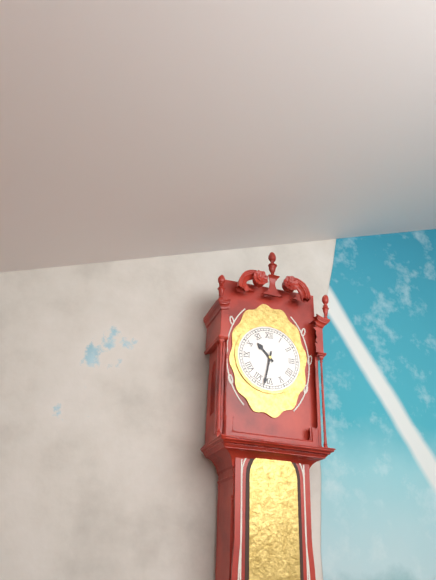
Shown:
10:32
